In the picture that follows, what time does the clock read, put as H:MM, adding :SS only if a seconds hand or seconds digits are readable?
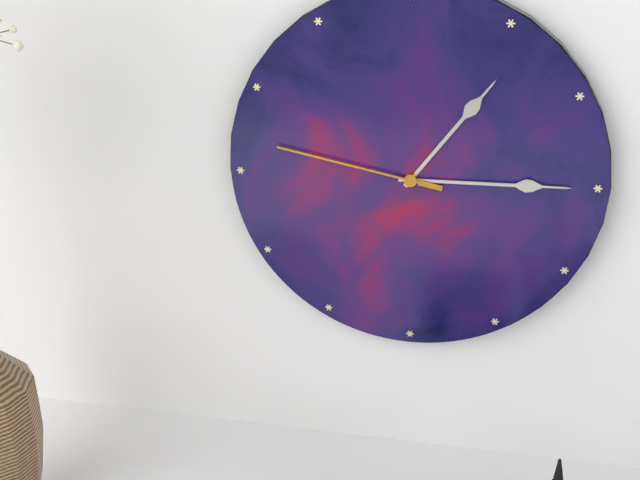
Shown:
1:15:47
